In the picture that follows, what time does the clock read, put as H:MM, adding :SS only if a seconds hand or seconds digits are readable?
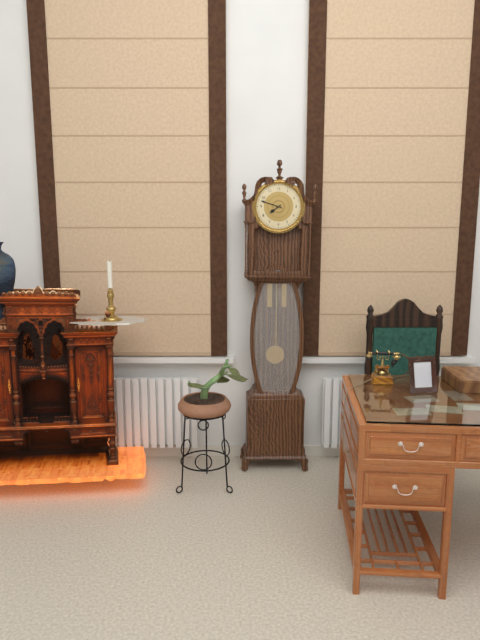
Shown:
7:48
